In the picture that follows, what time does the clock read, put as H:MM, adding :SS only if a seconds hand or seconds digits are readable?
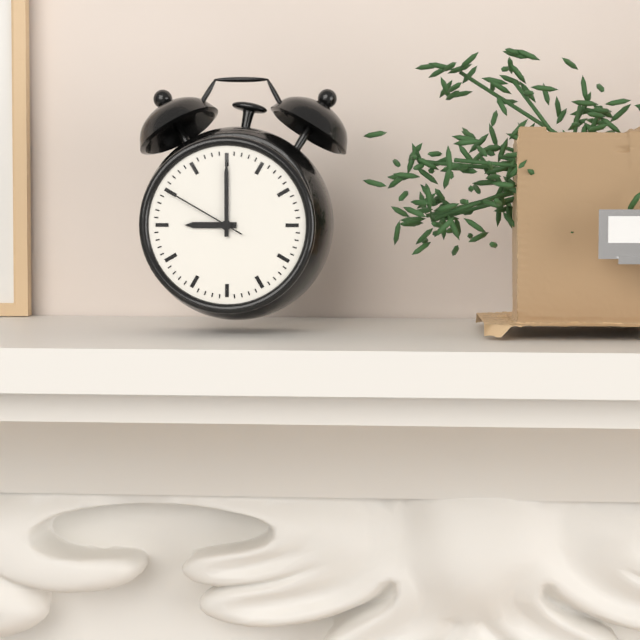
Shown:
9:00:50
